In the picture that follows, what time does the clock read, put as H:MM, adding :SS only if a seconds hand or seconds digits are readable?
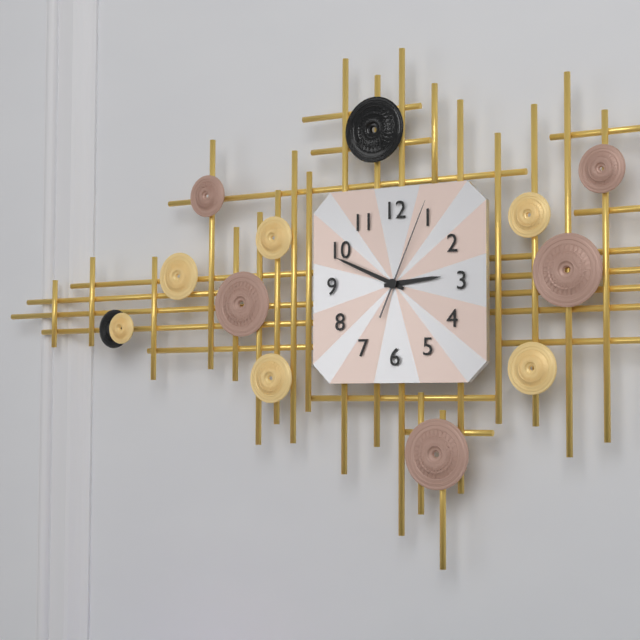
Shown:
2:49:04
